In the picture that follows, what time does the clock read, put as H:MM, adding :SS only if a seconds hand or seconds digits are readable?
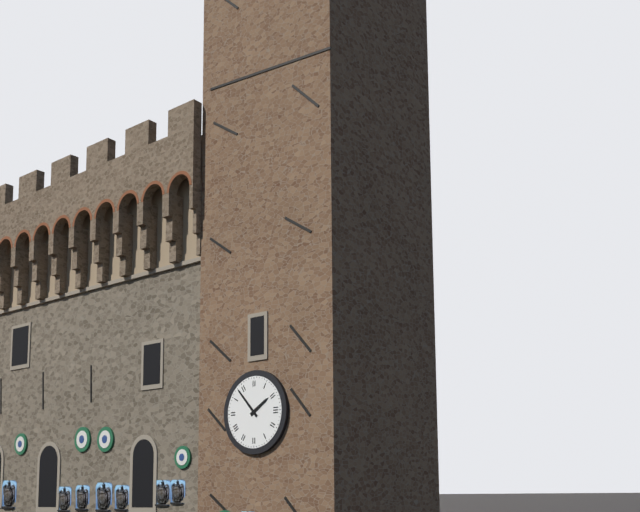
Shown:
1:53
